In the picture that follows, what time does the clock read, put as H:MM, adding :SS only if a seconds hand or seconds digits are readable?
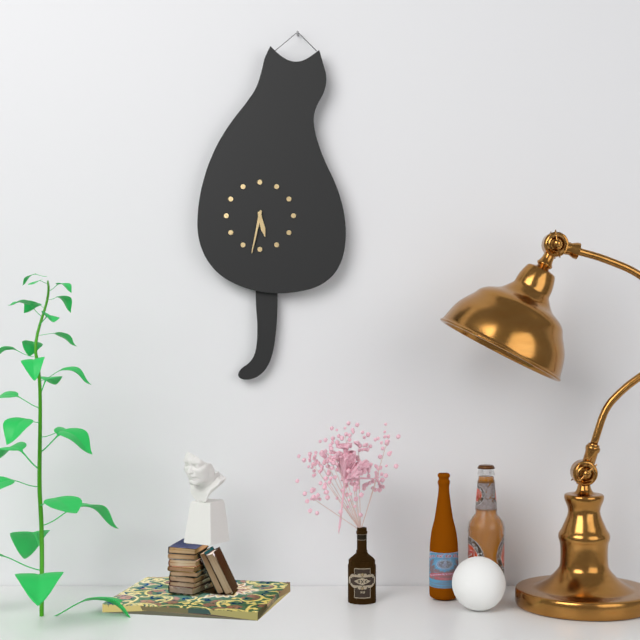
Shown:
5:32
